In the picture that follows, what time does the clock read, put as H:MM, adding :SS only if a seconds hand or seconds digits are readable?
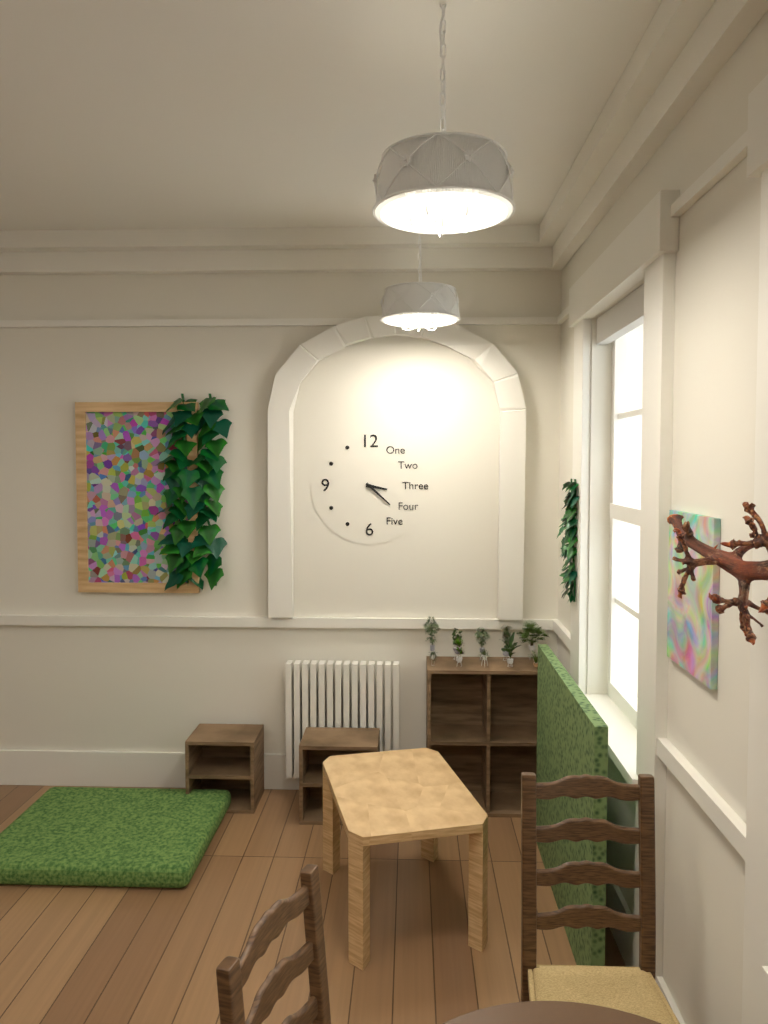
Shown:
3:22
